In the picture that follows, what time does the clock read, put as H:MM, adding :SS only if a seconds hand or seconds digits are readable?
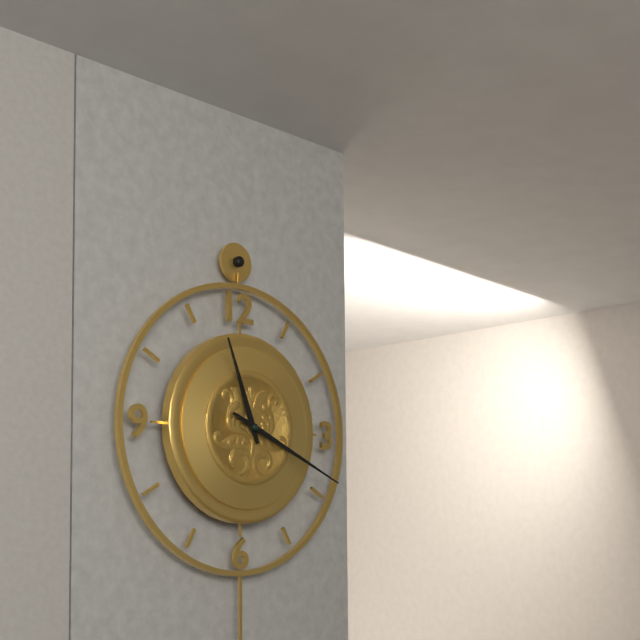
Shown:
11:19
